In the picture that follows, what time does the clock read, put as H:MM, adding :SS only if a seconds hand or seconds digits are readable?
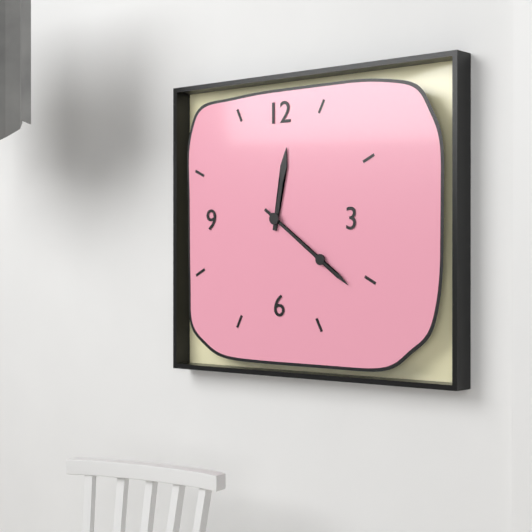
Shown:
12:21
